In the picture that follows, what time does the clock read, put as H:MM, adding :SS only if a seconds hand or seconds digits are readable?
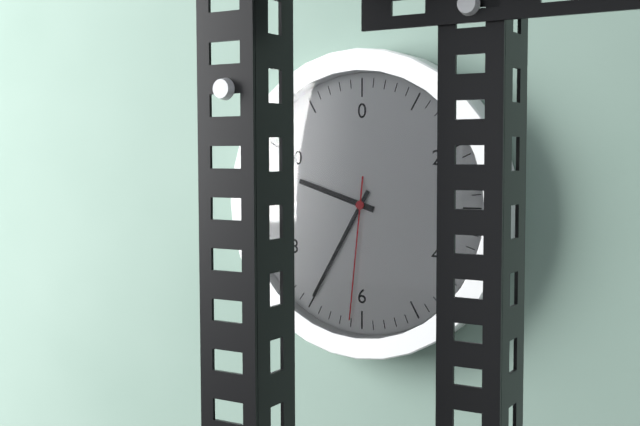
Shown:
9:35:31
